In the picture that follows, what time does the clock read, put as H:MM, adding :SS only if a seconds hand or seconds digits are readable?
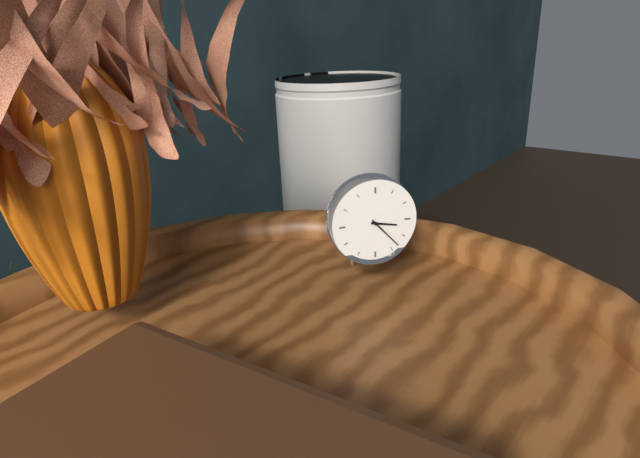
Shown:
3:23
